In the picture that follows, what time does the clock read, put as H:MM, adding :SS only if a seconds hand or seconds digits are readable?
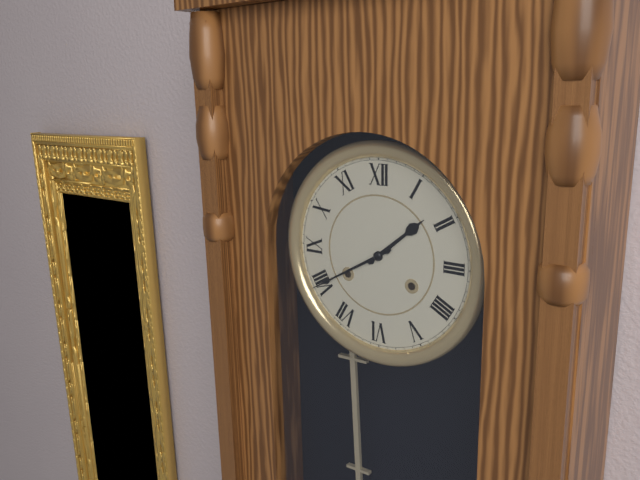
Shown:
1:40
